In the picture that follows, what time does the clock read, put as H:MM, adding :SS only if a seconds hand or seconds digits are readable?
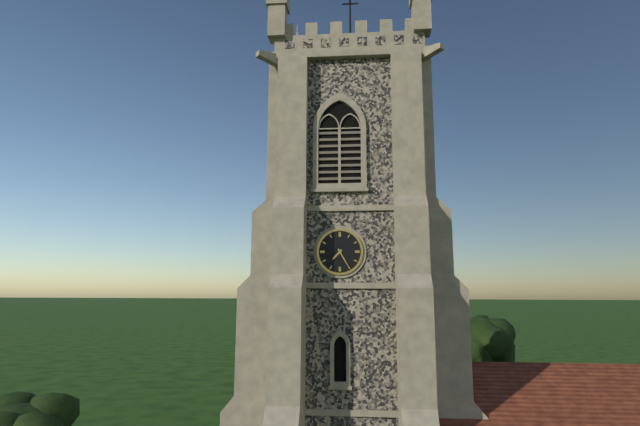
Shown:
7:25
